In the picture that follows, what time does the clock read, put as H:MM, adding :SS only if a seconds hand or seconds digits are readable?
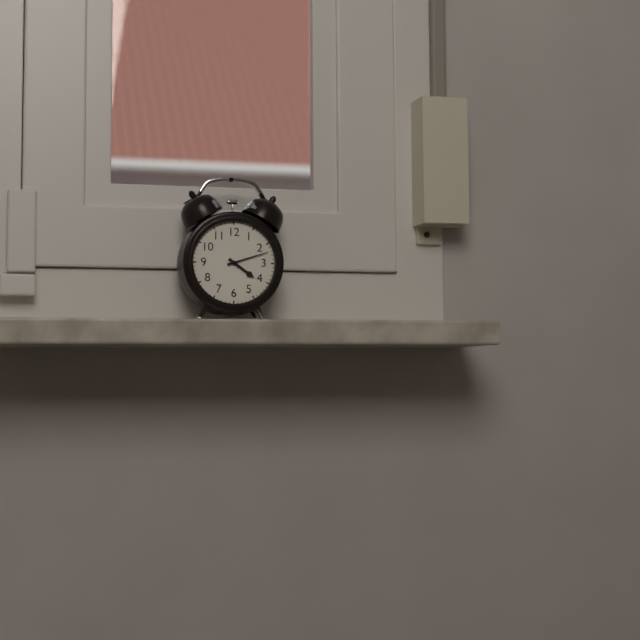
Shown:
4:12
